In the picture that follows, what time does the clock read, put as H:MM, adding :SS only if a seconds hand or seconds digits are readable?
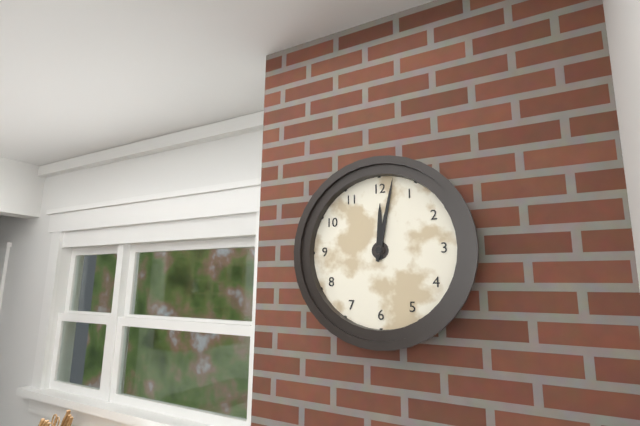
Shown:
12:02
